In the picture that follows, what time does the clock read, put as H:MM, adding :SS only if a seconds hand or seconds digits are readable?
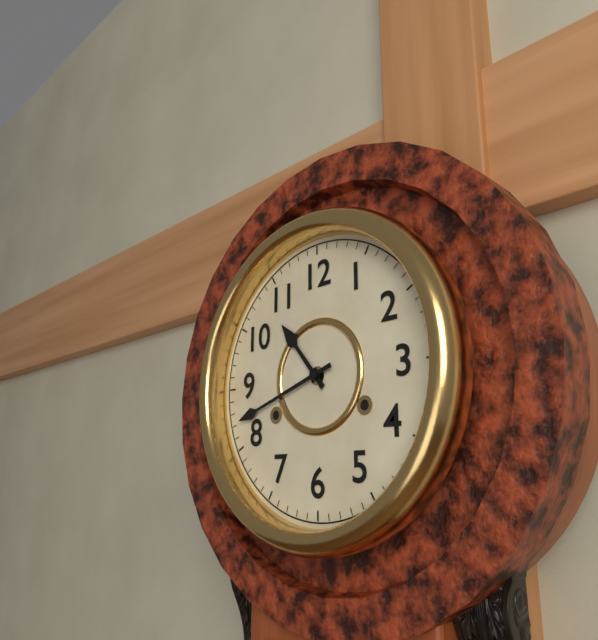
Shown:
10:42
